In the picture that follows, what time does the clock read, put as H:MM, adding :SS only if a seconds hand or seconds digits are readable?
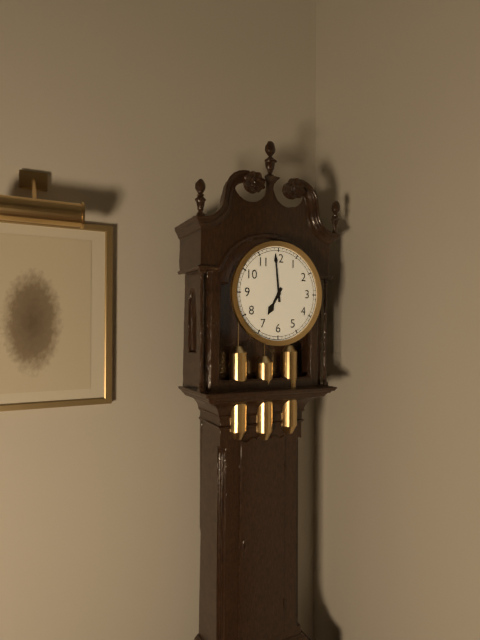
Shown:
6:59
